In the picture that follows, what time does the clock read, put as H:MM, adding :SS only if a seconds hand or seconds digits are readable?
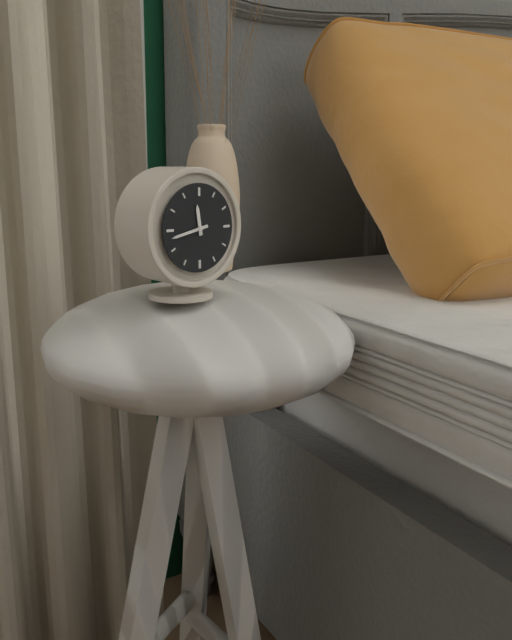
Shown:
11:43
